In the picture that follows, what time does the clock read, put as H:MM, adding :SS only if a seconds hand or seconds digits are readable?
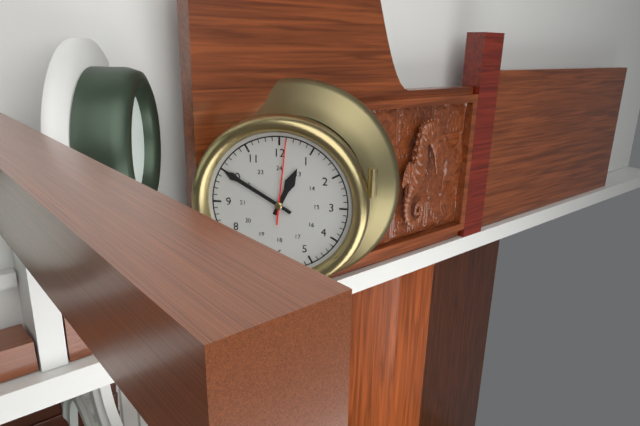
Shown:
12:50:01
